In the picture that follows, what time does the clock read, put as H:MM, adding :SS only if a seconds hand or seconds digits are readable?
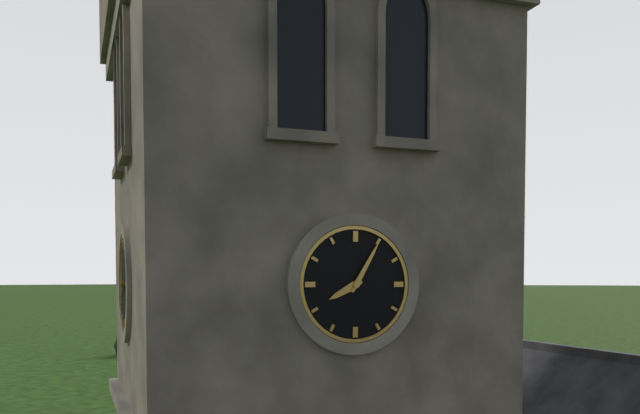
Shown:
8:05
